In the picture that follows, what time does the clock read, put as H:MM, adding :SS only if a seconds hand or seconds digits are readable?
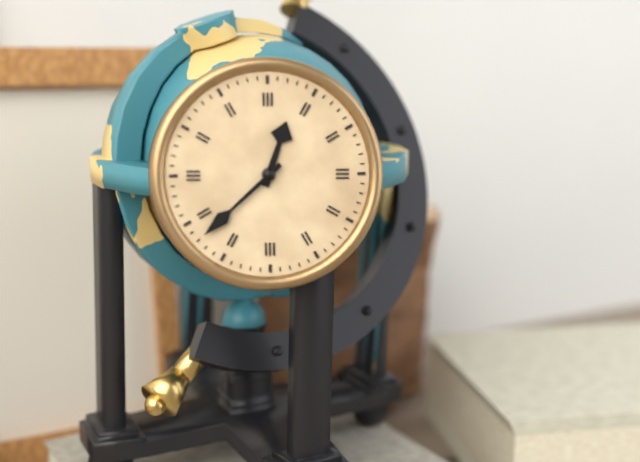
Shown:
12:38
